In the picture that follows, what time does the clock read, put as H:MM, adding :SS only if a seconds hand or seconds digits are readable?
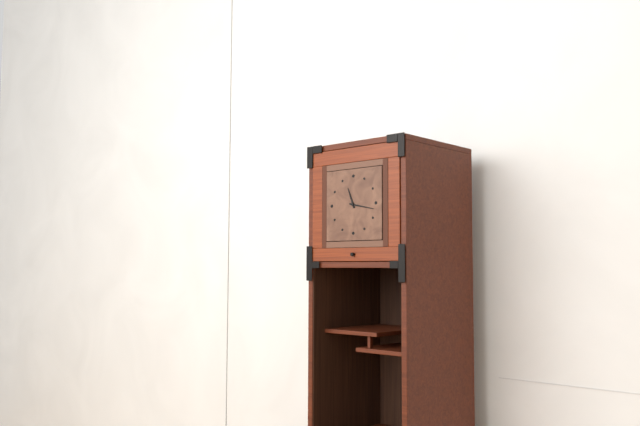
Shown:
11:17
